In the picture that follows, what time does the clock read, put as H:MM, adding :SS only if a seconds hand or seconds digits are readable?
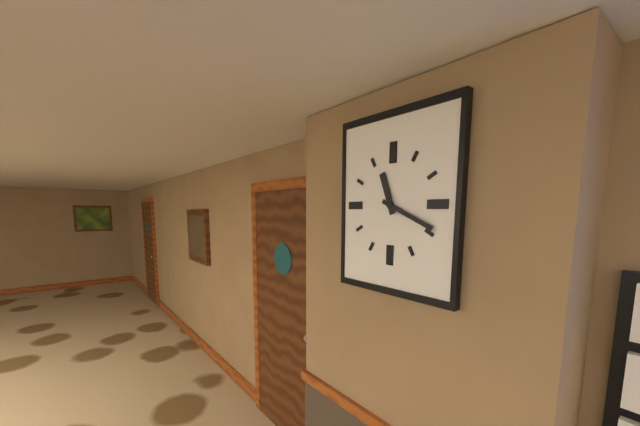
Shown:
11:19
